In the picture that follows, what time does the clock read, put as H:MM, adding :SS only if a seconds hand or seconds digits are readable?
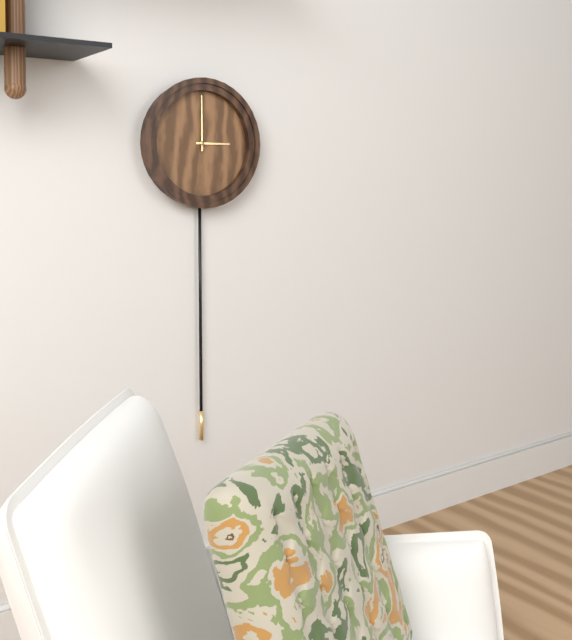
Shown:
3:00
